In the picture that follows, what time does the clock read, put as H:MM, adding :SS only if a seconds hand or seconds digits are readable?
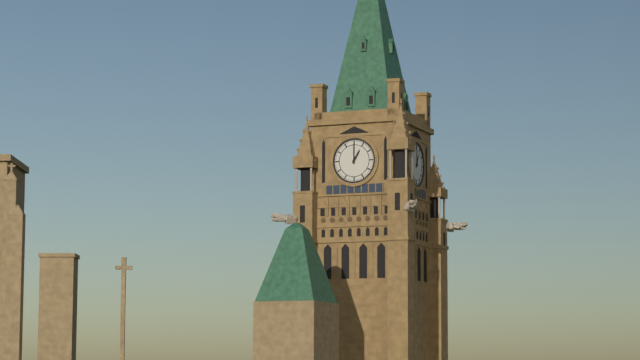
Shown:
1:00
